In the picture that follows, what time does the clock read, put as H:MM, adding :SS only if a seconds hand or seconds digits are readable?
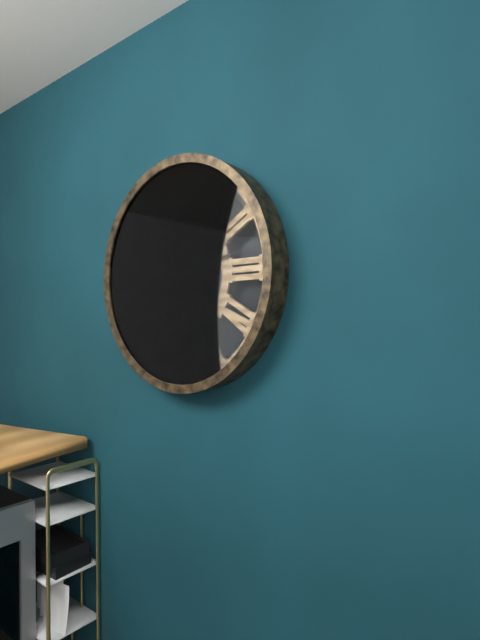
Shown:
12:13
